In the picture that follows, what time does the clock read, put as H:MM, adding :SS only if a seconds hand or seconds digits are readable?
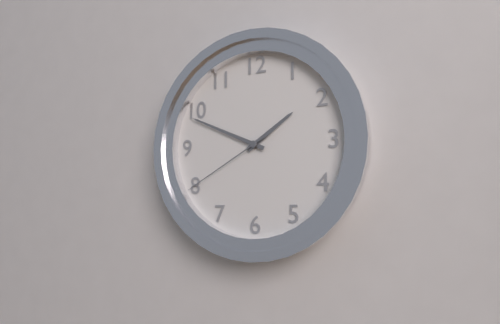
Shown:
1:49:40
